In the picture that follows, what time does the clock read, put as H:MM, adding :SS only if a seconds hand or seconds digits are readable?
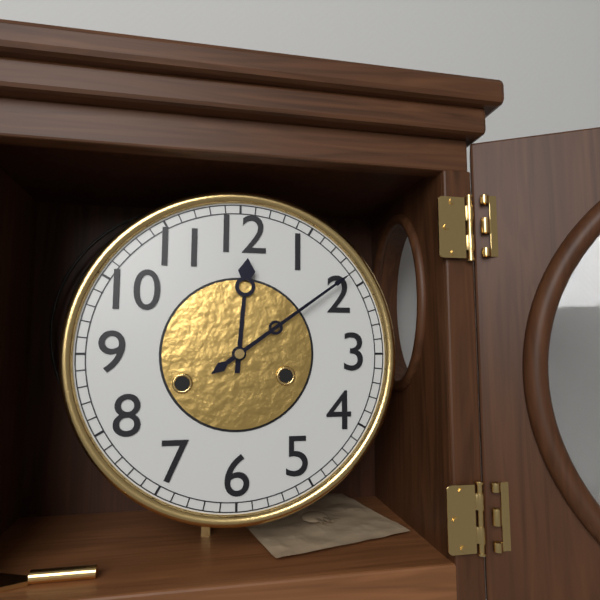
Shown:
12:09
